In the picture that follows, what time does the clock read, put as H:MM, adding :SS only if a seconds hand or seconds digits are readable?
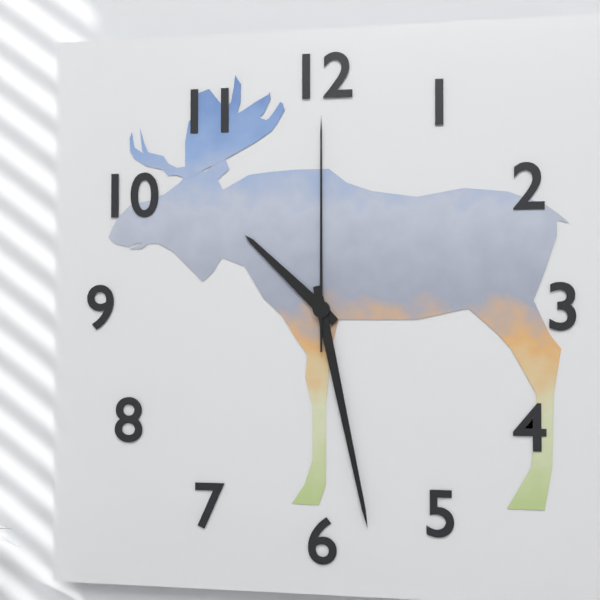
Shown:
10:28:00
